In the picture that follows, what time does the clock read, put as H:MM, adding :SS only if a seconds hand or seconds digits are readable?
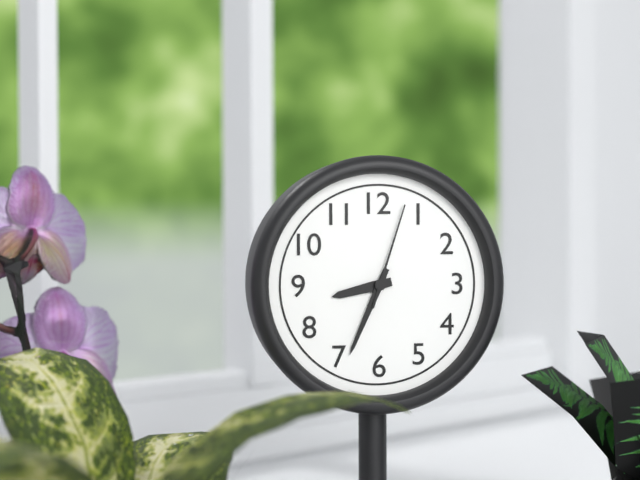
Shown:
8:34:03
